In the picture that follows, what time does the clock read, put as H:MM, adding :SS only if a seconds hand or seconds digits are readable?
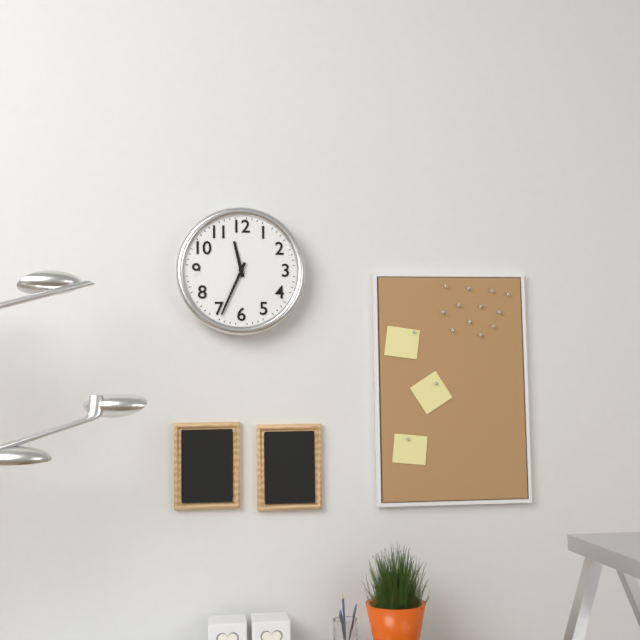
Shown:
11:34
